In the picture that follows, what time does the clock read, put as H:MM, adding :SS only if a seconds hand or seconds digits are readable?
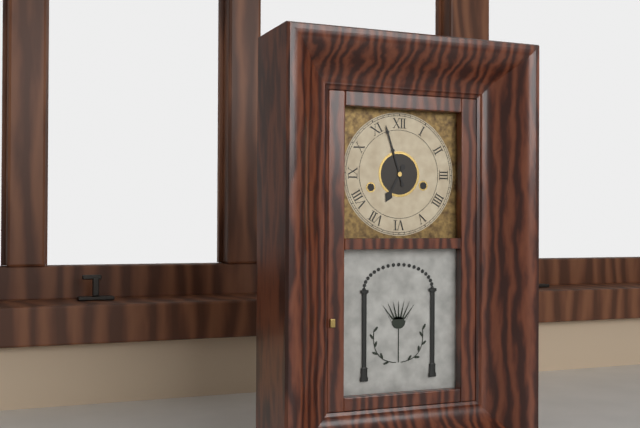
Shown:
6:57
